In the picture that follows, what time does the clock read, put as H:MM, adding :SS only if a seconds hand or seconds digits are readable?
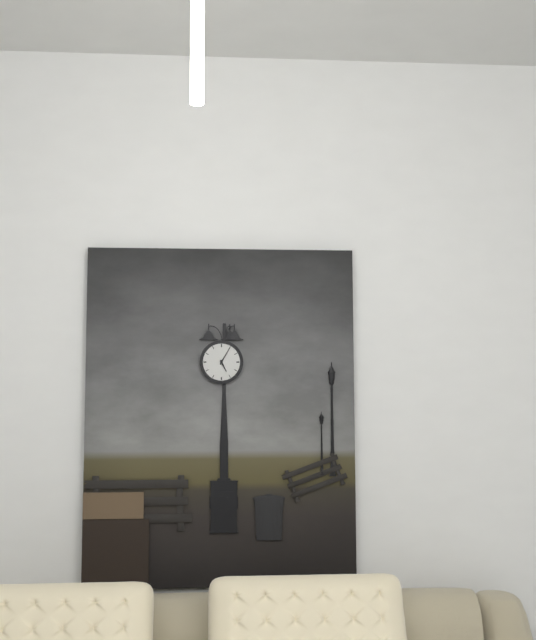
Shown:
5:05
